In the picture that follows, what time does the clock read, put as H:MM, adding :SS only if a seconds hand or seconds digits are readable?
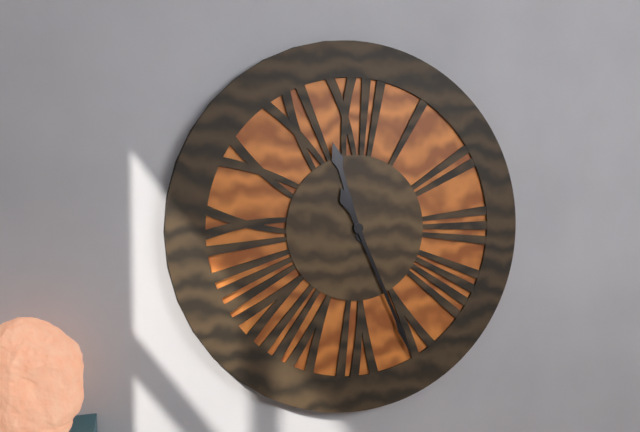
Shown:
11:26
